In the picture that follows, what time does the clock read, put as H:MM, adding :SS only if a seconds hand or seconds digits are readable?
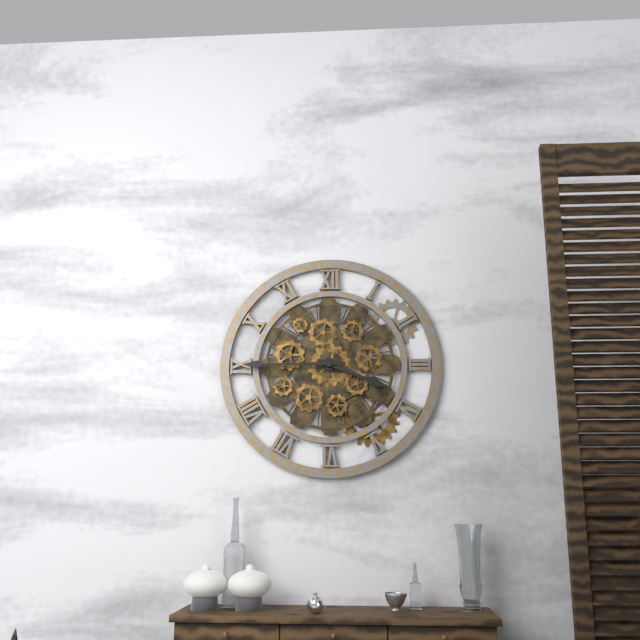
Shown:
3:45
